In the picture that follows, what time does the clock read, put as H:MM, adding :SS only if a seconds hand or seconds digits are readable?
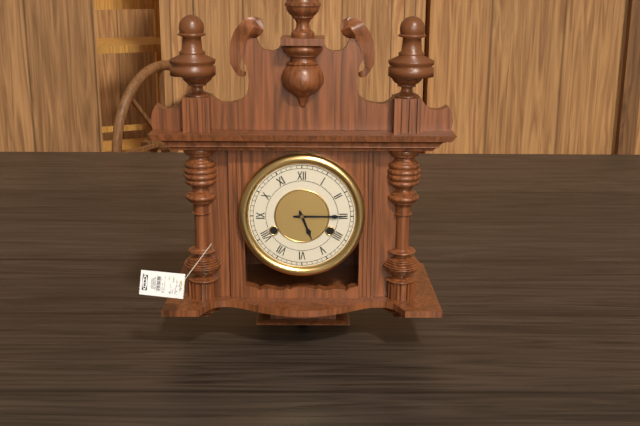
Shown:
5:15
